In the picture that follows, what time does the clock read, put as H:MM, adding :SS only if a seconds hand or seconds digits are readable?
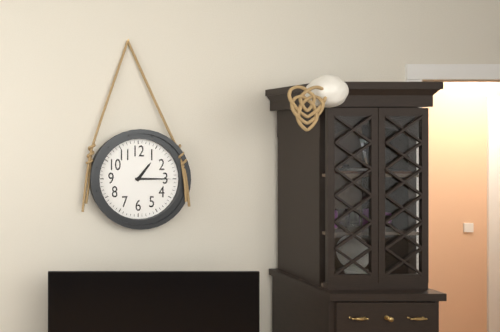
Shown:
1:15
